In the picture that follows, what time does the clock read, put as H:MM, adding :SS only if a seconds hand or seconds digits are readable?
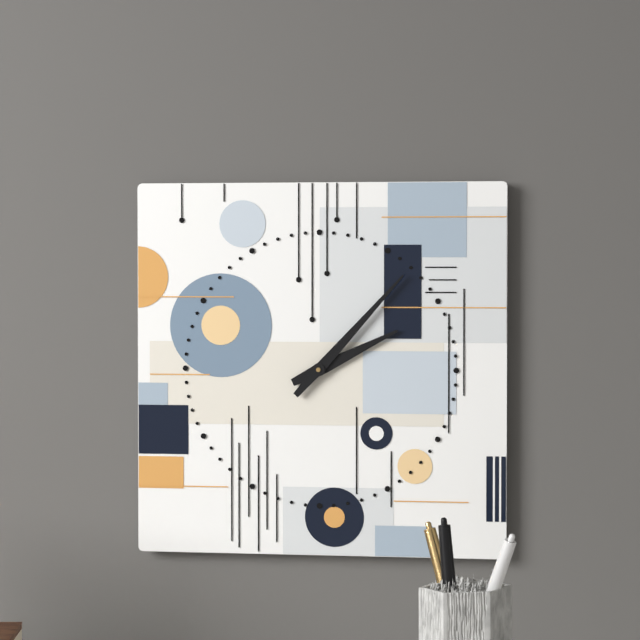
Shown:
2:07
